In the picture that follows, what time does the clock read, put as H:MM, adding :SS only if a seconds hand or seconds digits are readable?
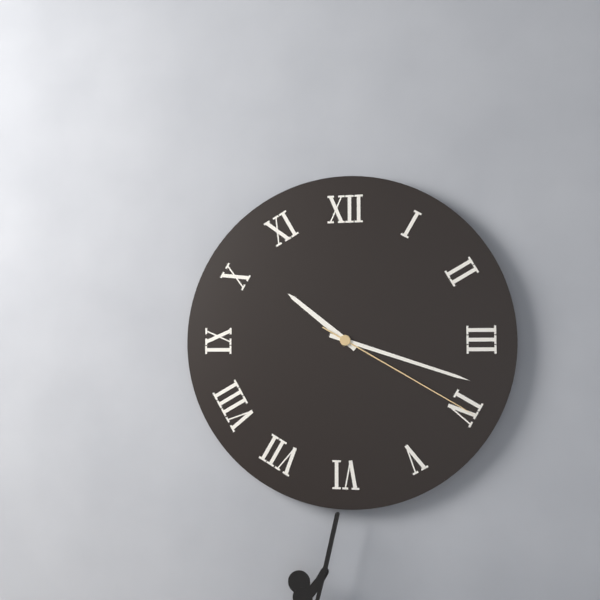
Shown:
10:18:20
